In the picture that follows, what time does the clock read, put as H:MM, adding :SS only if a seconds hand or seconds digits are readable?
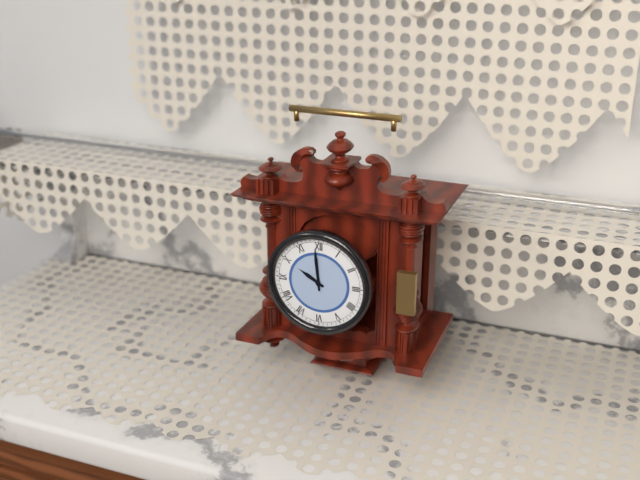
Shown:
9:59
